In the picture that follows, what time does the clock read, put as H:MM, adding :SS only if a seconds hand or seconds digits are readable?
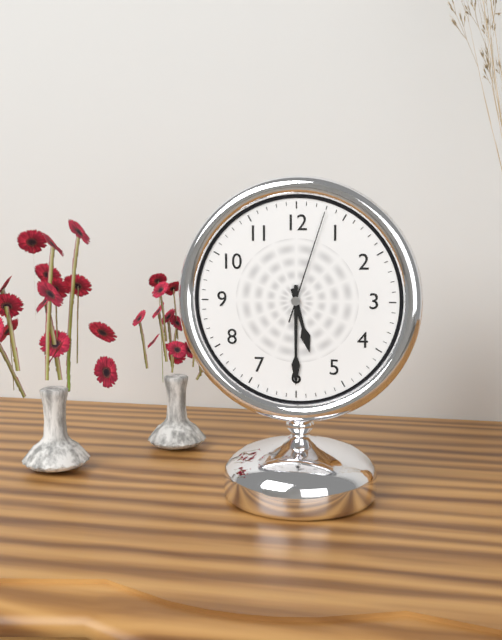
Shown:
5:30:03
